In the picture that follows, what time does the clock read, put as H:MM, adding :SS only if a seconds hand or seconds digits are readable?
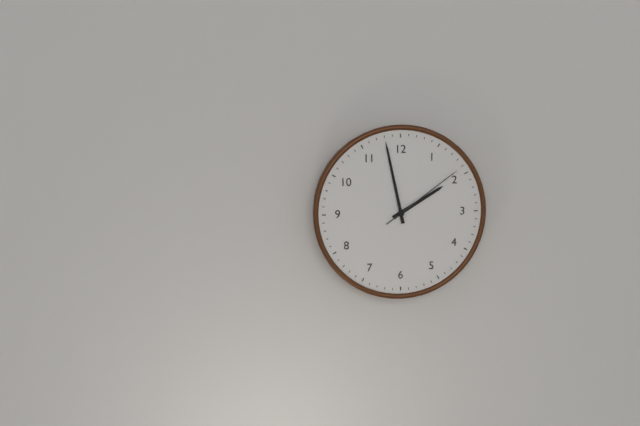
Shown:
1:58:09
